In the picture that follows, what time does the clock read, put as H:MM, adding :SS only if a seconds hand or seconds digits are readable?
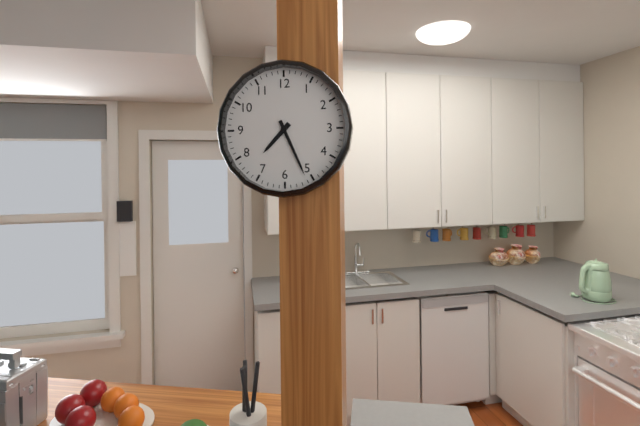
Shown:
7:26
